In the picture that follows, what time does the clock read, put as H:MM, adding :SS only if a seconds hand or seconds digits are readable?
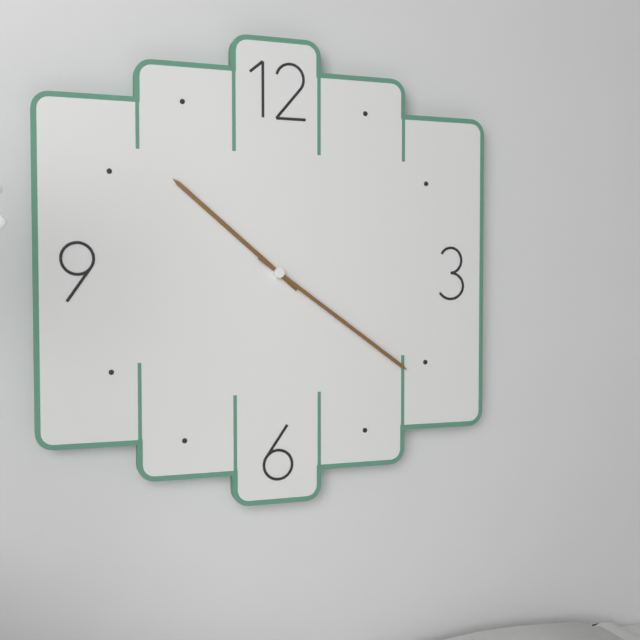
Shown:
10:21
